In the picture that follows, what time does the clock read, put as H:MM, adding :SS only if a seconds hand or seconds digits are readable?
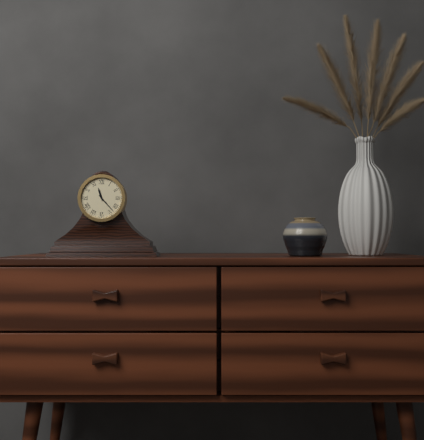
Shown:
11:23
